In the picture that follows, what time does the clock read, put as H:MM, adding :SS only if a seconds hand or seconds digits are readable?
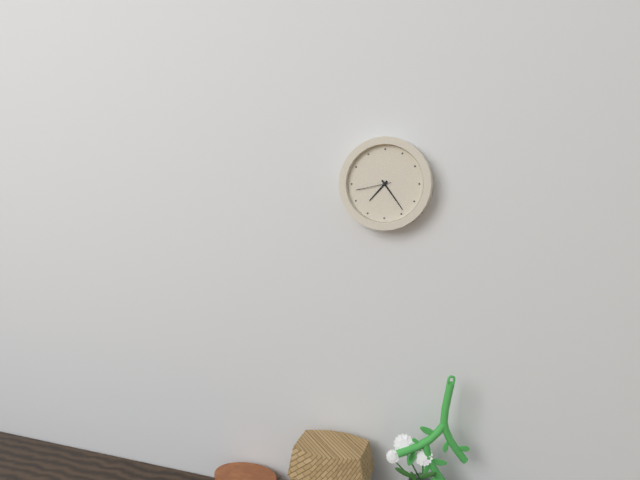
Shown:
7:24
